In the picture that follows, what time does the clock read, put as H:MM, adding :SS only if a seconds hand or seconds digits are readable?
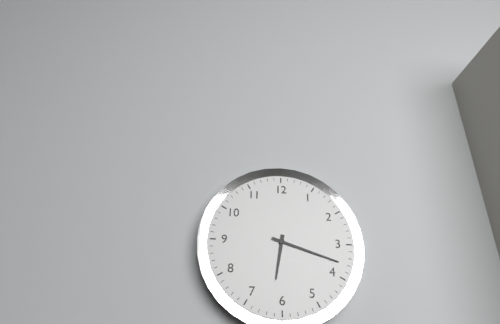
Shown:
6:18
